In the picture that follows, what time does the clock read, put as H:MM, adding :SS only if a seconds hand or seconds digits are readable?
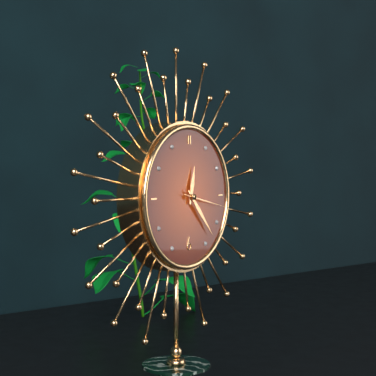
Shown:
12:23
